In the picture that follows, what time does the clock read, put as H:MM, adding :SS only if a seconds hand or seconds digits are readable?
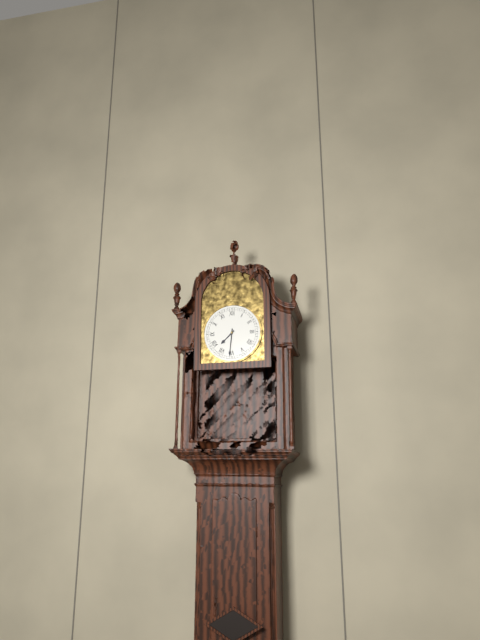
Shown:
7:31
